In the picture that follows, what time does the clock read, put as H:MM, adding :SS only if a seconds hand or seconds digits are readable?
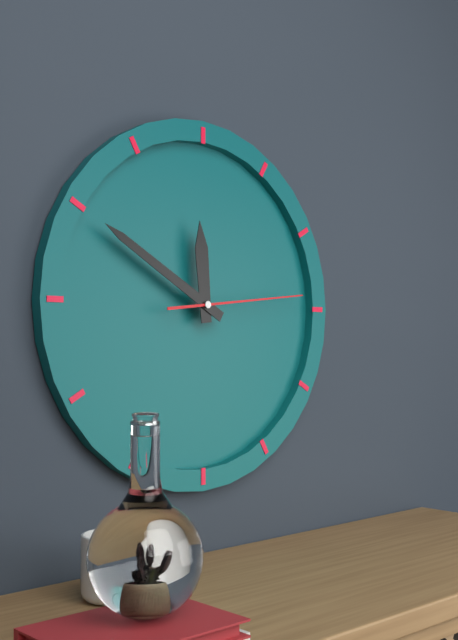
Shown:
11:50:14
